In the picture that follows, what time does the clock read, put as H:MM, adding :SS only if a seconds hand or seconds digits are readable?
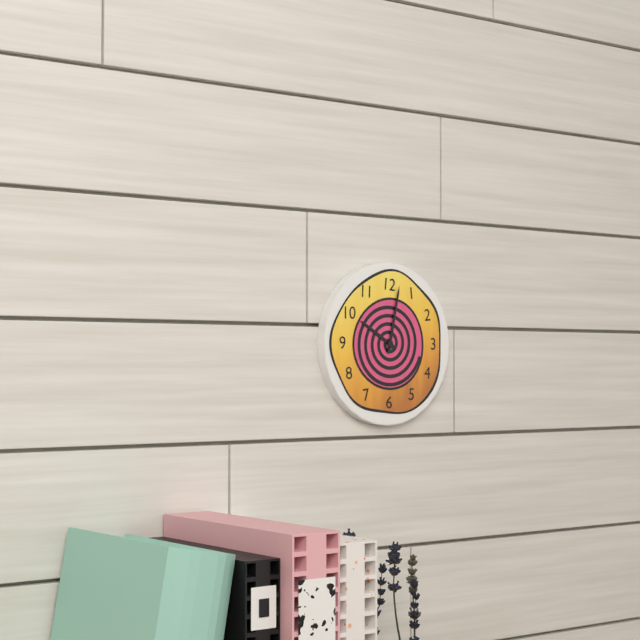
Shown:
10:02
